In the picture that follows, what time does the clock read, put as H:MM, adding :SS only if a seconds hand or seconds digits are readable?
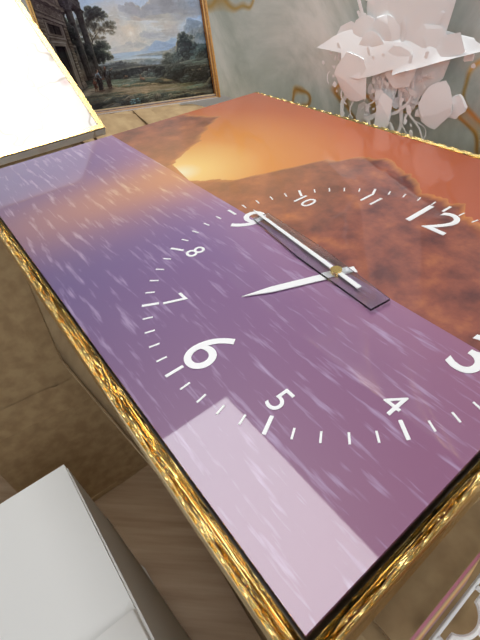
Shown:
6:46
